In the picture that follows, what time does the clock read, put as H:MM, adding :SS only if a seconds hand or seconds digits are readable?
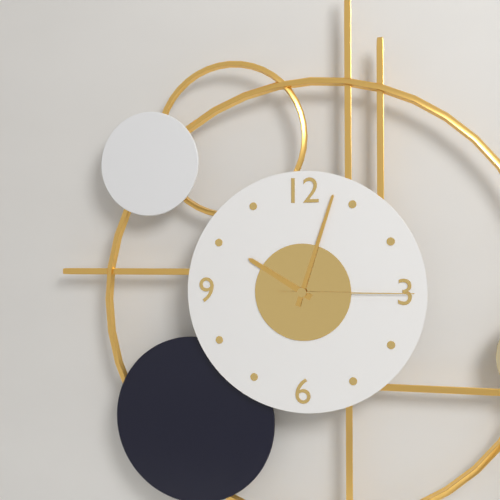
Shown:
10:03:15
